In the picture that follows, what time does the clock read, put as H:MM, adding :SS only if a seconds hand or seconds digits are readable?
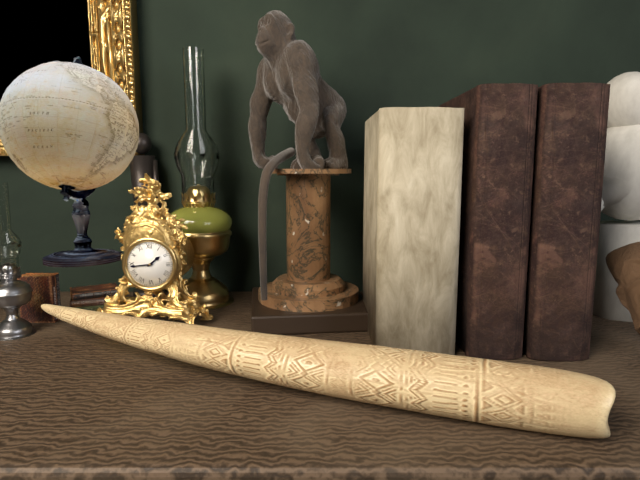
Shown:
1:44
